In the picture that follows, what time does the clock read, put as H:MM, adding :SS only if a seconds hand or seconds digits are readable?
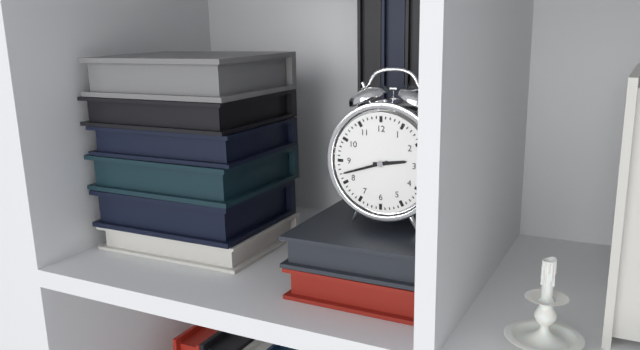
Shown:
2:42
